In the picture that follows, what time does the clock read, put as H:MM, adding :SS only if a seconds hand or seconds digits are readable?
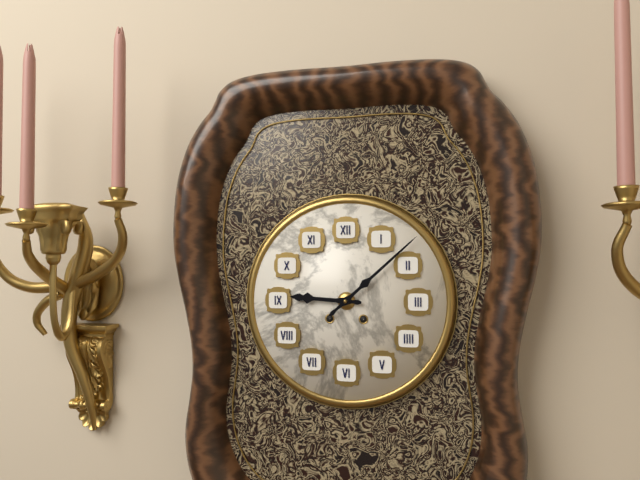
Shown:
9:08
